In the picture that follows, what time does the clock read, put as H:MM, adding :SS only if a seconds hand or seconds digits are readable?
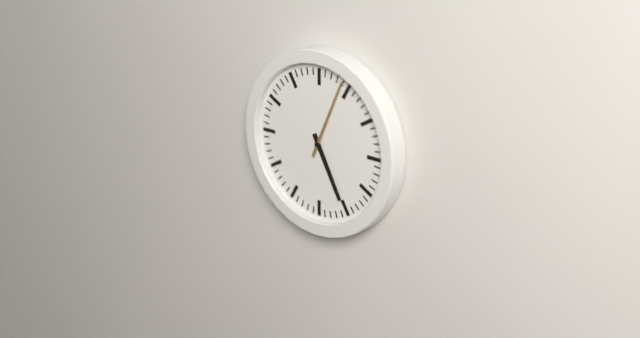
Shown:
5:04
